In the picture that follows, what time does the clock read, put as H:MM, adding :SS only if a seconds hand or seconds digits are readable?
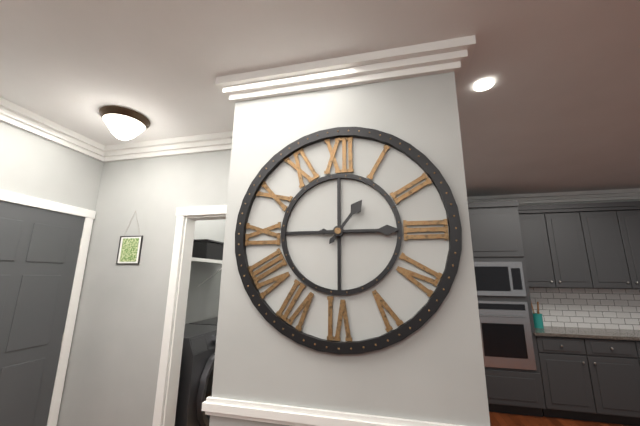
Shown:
1:15
